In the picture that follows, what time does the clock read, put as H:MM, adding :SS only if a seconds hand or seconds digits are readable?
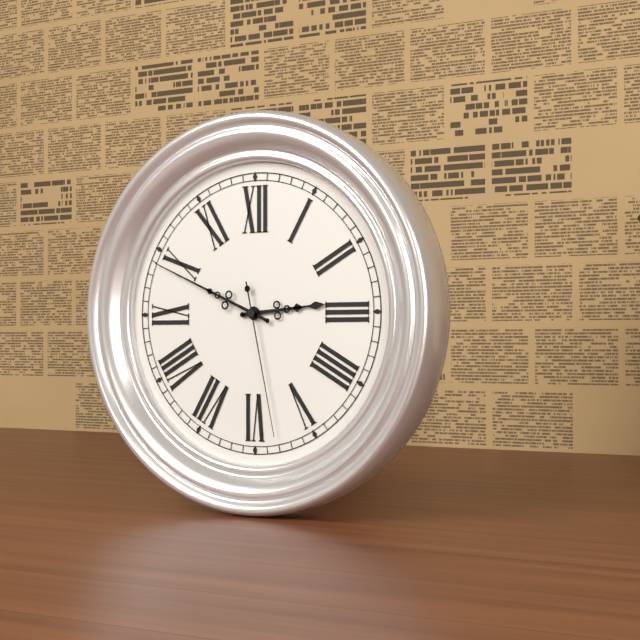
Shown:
2:49:28
